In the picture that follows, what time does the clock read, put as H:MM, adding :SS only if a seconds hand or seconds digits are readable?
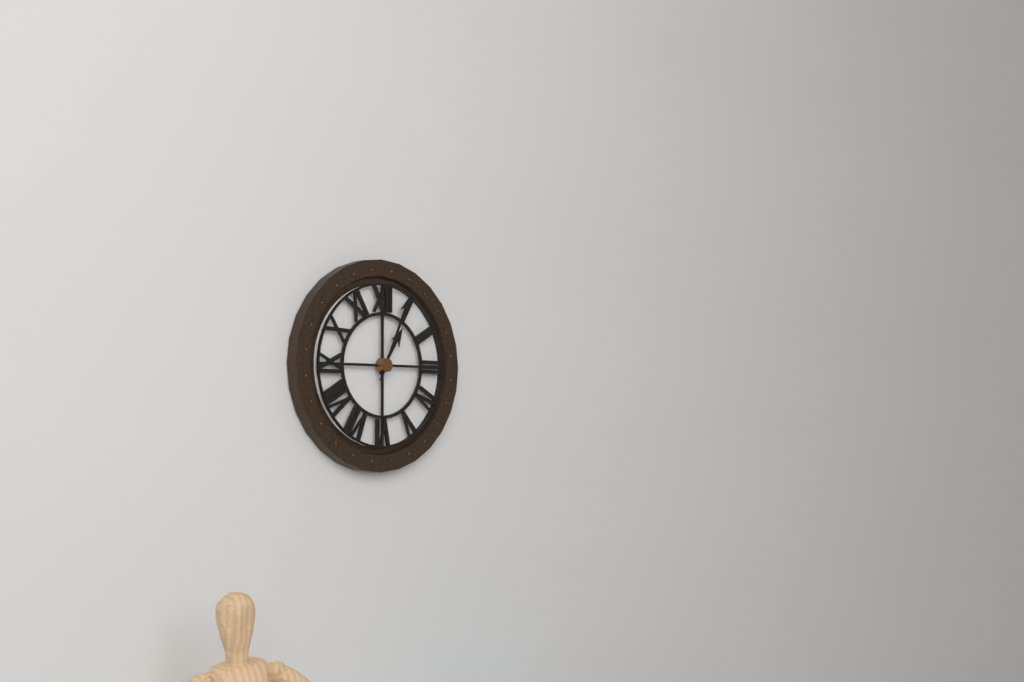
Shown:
1:04
